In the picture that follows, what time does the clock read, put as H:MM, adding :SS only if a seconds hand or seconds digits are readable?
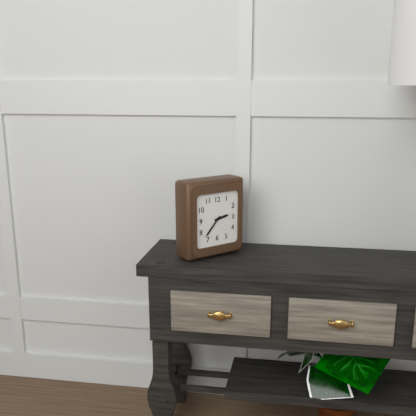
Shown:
2:37
